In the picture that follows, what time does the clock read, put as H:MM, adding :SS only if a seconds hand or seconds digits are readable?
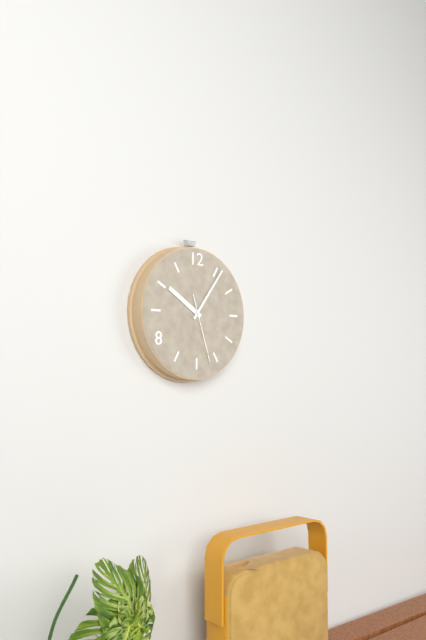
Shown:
10:06:27
